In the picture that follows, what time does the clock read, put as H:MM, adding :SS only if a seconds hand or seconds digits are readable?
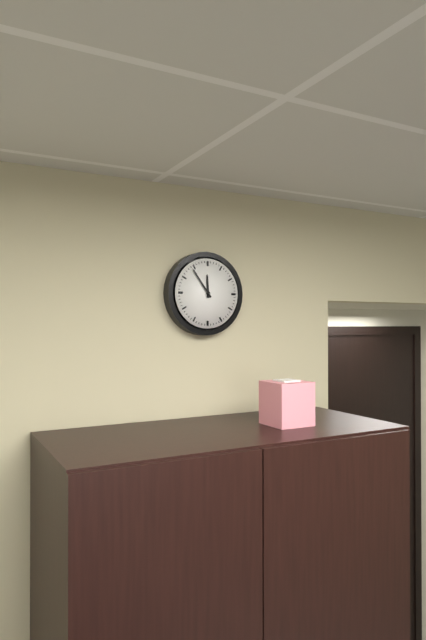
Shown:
11:54
